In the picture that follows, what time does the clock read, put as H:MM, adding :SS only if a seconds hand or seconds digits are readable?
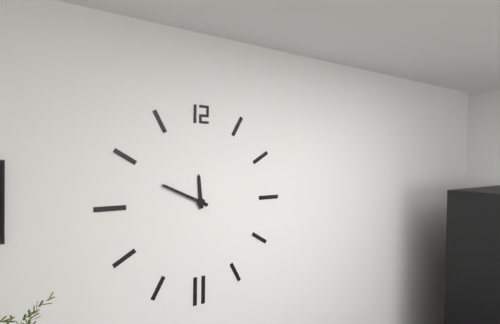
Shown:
11:49
